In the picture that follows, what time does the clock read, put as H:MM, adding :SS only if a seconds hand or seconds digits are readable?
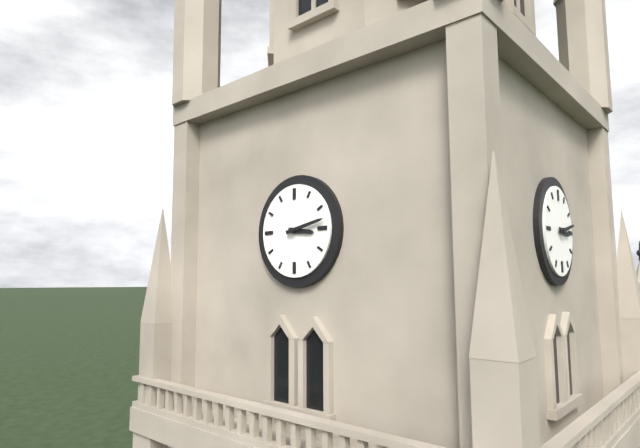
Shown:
3:13
